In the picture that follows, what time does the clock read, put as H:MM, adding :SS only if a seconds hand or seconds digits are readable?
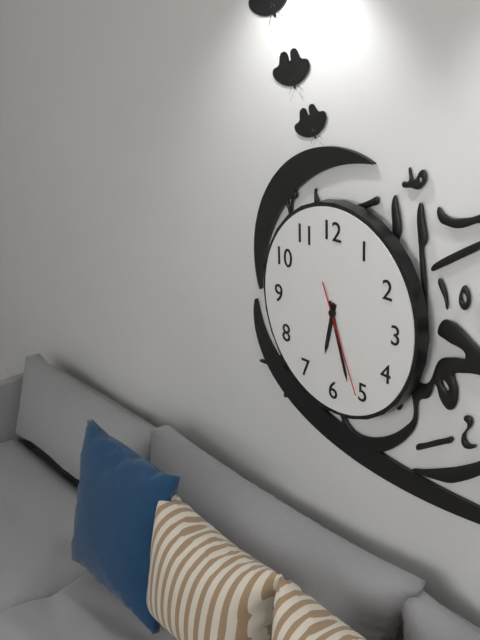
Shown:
6:27:26
